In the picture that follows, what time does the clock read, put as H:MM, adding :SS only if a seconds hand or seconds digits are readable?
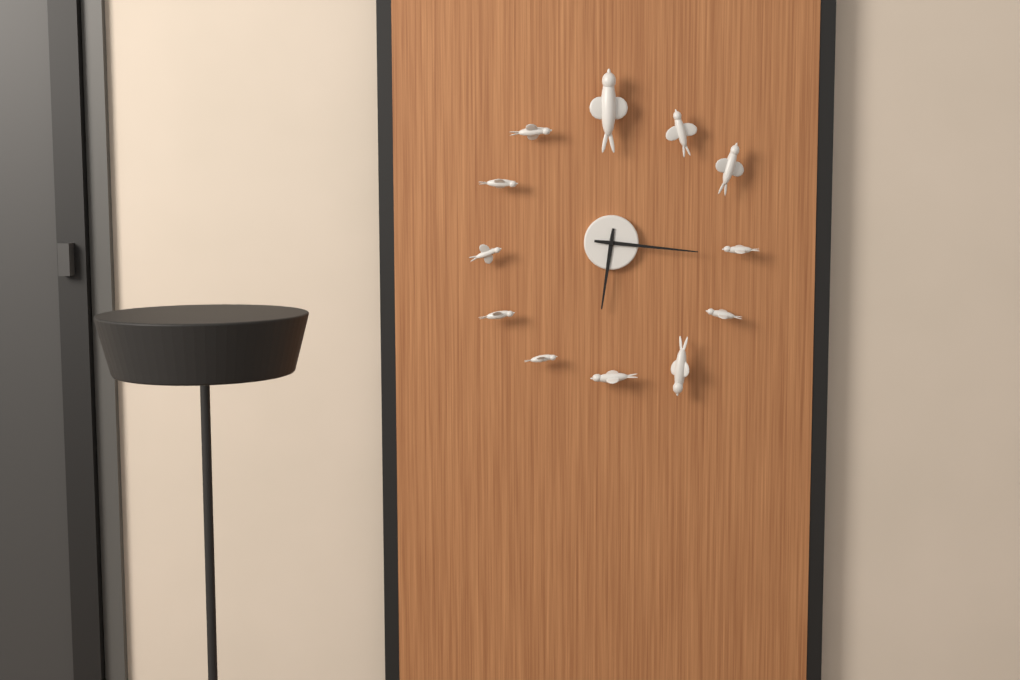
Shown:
6:16
